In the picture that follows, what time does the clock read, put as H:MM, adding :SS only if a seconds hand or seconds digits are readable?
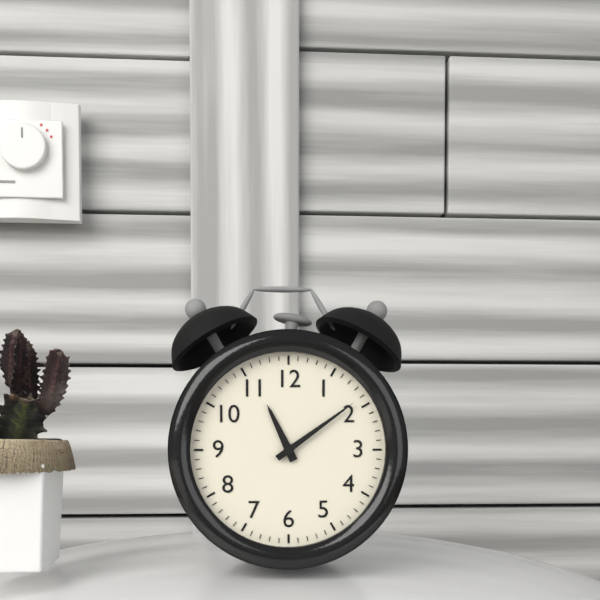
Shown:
11:09
